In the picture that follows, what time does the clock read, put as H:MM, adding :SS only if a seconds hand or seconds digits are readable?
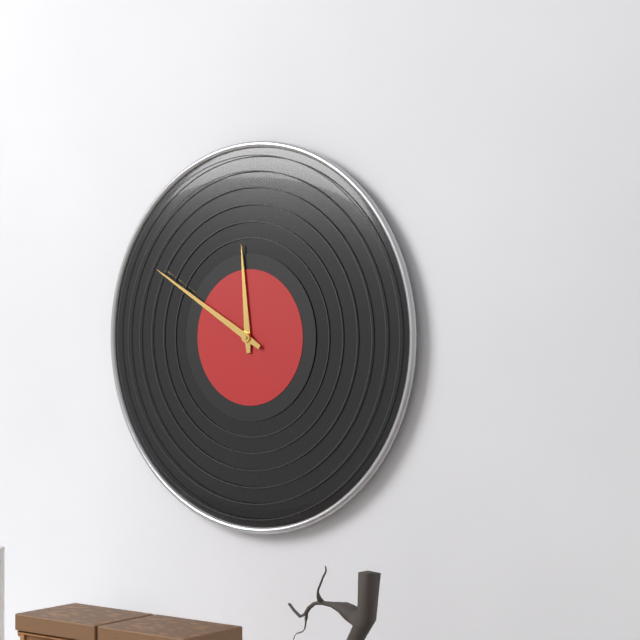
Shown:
11:50
